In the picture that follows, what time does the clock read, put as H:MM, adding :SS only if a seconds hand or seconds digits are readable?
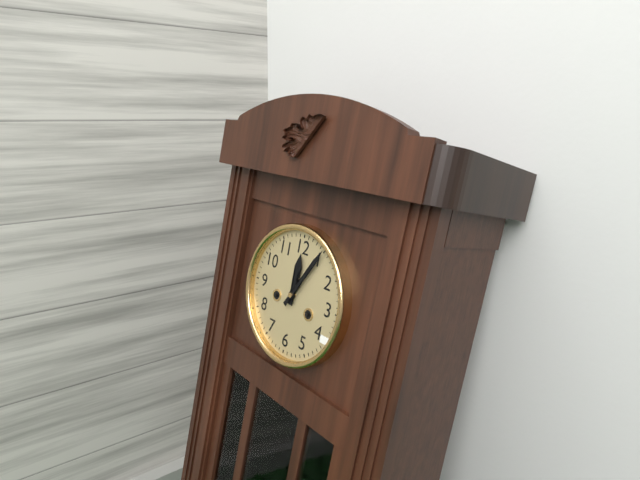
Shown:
12:05
